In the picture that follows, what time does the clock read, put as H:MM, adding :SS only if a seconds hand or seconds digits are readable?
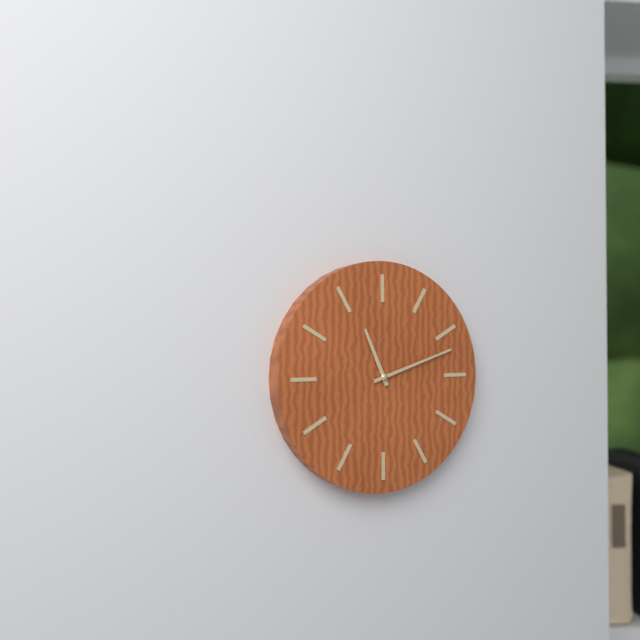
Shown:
11:12
